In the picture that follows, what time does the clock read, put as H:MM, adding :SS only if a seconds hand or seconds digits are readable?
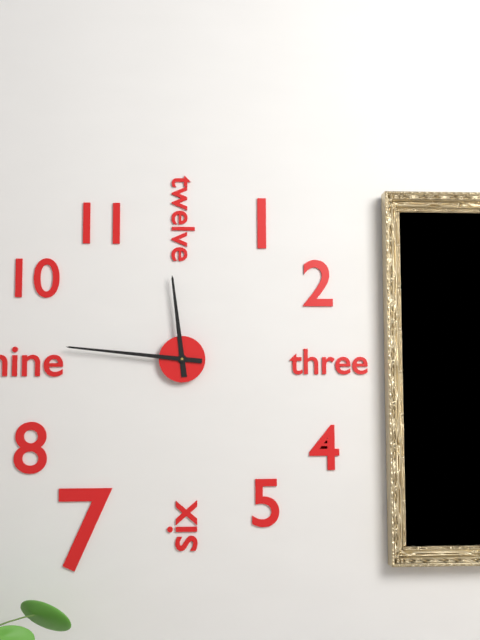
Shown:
11:46
